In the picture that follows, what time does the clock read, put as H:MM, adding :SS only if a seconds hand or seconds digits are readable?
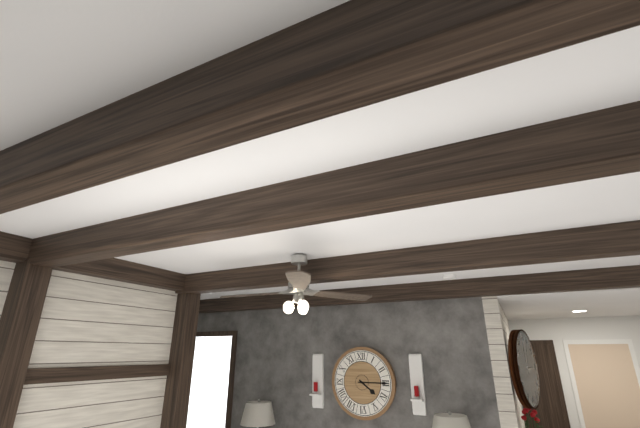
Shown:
4:15
